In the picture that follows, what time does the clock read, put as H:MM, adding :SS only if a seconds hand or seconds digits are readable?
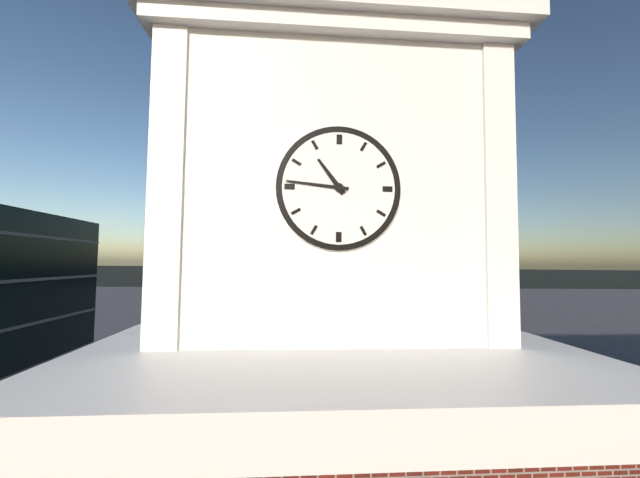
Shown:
10:46
